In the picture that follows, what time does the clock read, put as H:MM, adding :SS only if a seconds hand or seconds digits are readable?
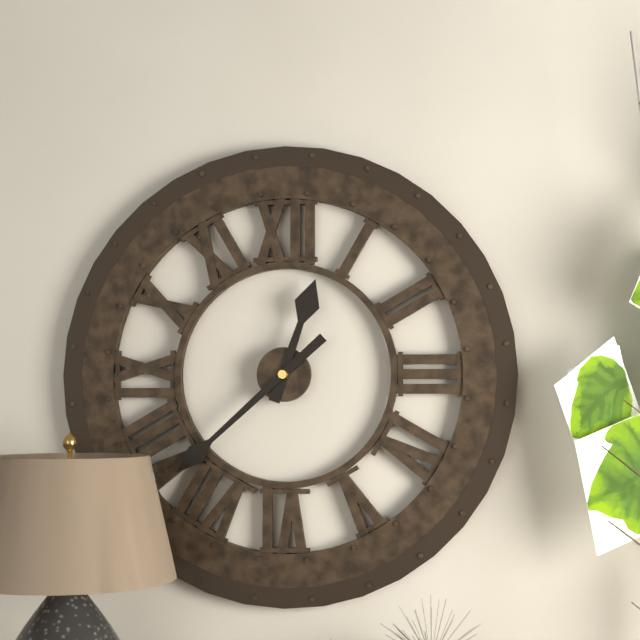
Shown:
12:38
